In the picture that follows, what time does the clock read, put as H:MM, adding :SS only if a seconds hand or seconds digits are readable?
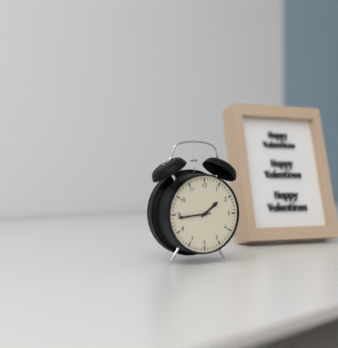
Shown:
1:44
